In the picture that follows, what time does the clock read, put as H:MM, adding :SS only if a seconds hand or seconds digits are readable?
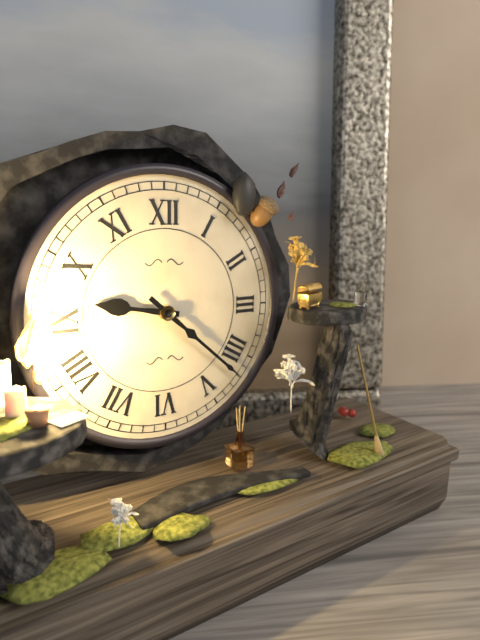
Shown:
9:22
